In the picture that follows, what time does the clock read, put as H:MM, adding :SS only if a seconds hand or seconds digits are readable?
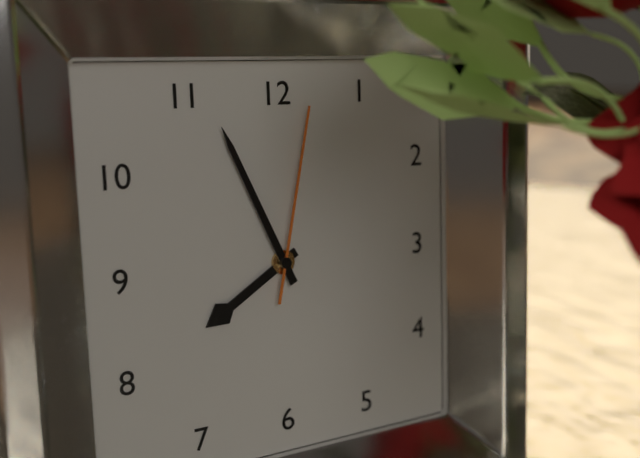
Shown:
7:56:02
